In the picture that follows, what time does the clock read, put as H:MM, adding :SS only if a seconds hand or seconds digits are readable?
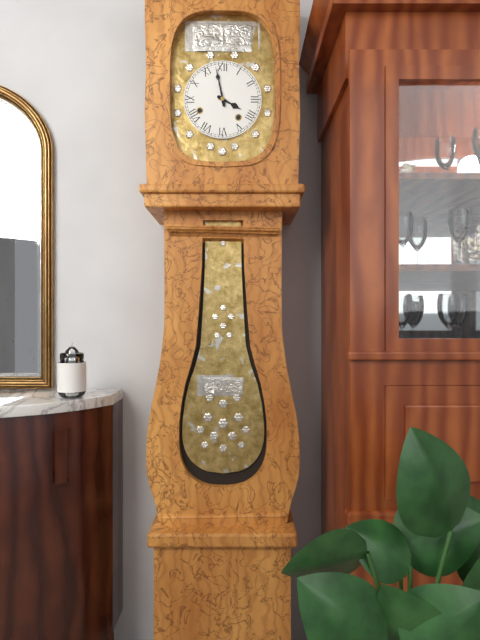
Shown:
3:58
